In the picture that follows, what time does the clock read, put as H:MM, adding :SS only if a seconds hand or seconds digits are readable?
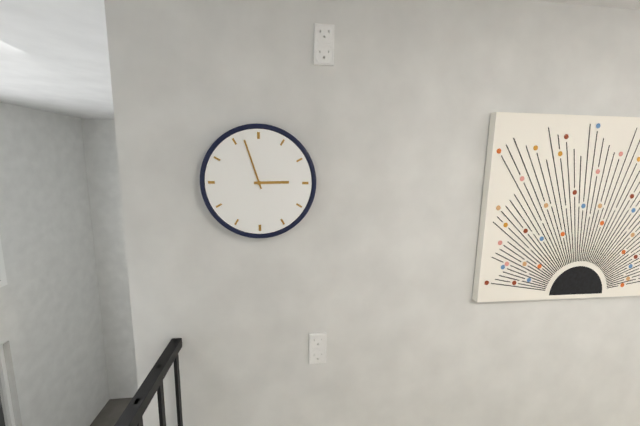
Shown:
2:57
